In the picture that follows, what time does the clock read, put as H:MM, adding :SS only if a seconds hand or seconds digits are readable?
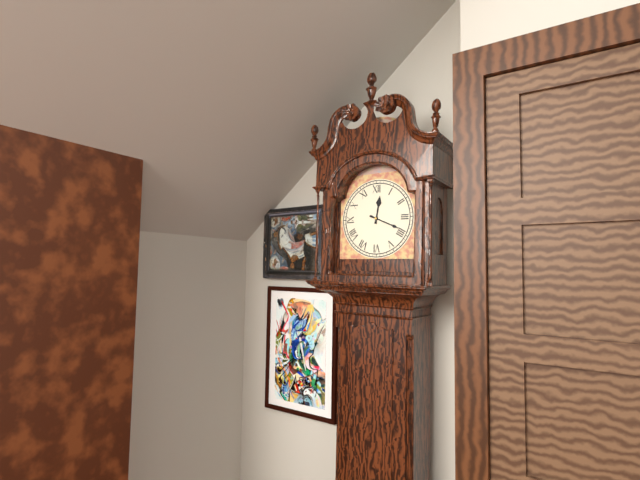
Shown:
12:19
